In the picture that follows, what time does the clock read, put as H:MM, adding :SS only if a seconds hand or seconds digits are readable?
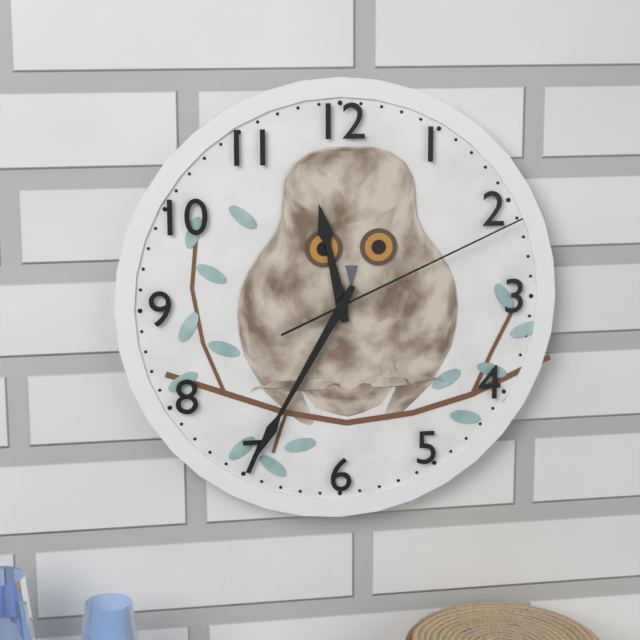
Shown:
11:35:11
